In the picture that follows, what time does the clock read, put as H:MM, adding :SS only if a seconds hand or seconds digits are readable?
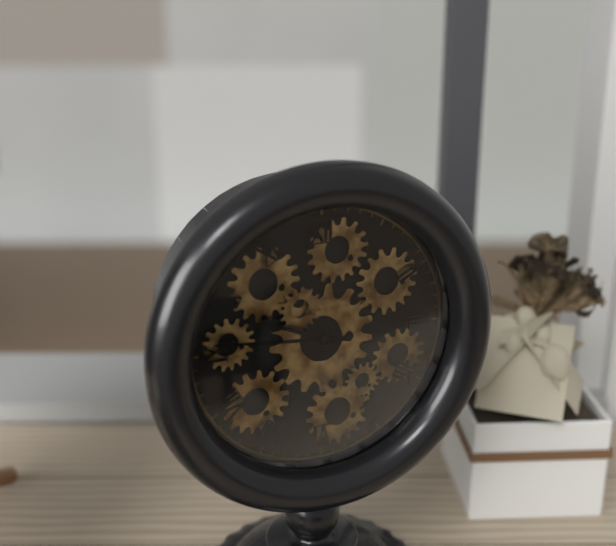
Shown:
9:46
